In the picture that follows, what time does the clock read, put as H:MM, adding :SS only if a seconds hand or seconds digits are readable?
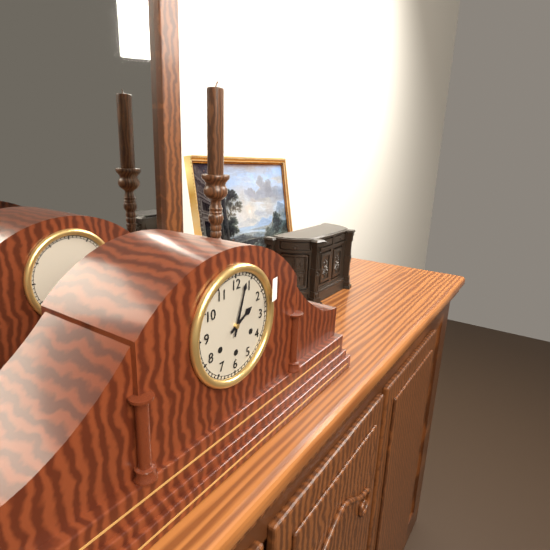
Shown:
2:03
